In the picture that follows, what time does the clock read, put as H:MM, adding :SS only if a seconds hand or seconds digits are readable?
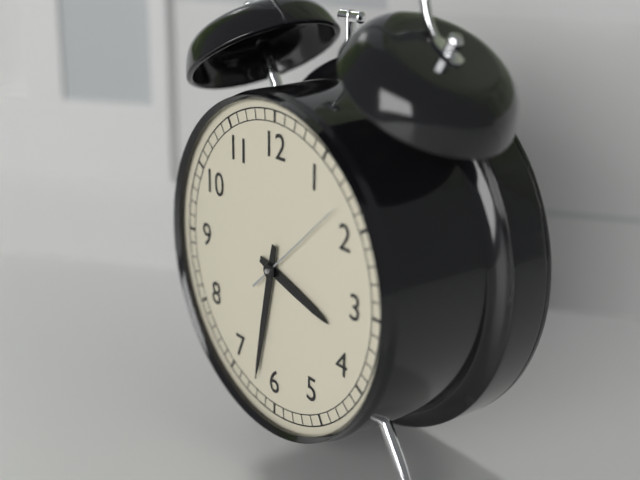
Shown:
3:32:08
